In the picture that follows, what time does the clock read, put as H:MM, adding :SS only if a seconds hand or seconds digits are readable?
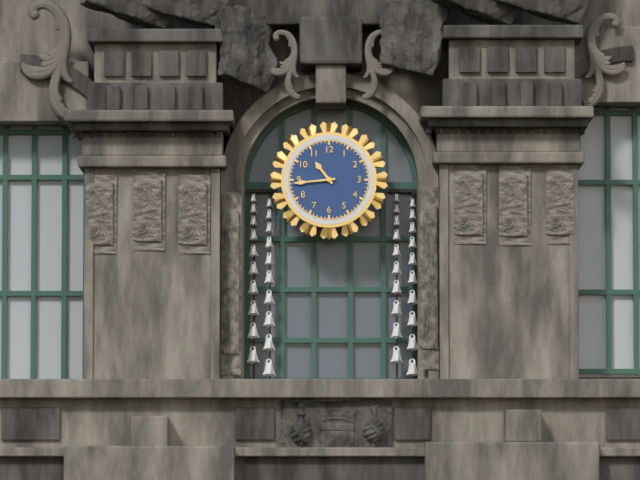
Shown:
10:44
